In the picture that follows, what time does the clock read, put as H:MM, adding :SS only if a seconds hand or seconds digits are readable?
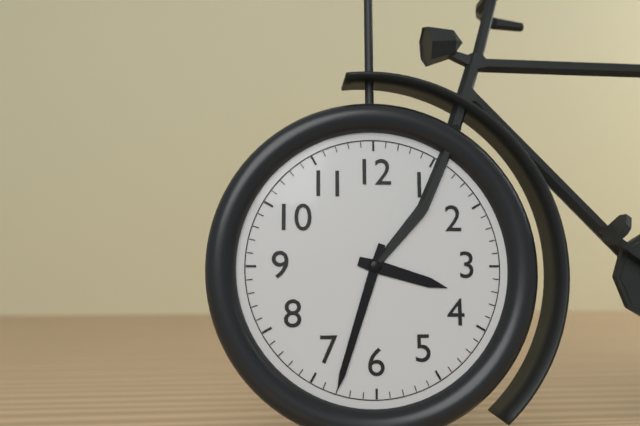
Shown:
3:33
